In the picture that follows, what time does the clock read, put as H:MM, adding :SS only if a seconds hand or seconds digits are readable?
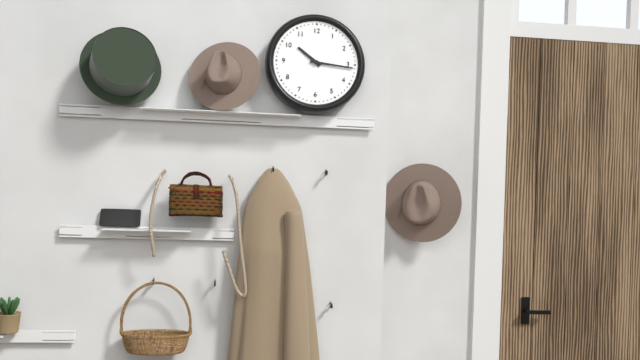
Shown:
10:16
